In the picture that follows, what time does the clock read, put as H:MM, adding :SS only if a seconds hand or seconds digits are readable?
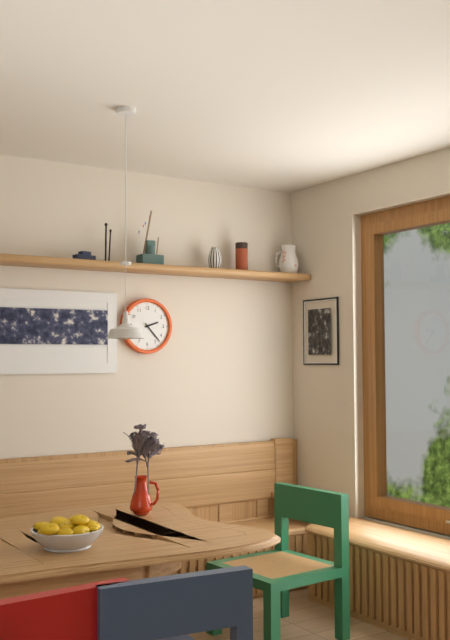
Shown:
2:23
